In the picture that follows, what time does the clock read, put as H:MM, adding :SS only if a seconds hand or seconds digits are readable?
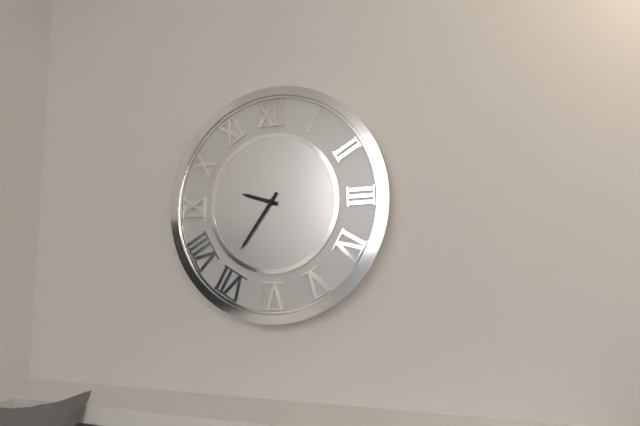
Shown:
9:36
